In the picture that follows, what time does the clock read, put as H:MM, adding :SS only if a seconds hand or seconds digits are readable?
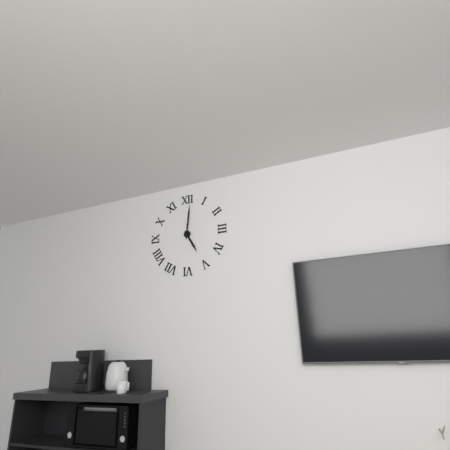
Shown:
5:01
